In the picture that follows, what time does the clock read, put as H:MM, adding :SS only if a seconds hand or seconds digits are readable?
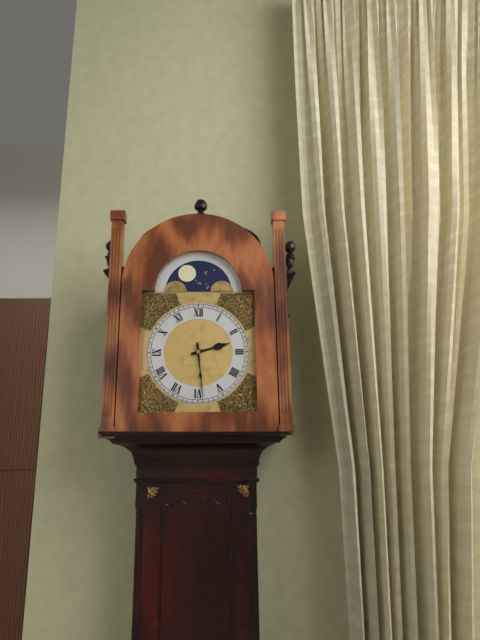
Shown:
2:29
